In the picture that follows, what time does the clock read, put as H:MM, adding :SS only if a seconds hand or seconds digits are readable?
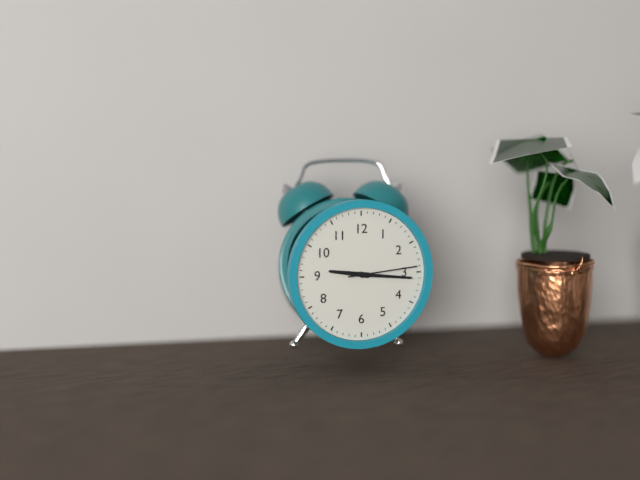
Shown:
9:16:14
